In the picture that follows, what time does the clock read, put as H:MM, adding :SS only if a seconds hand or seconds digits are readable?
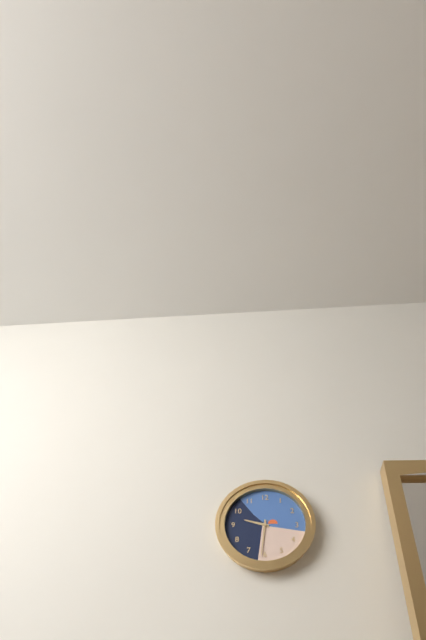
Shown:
9:31
